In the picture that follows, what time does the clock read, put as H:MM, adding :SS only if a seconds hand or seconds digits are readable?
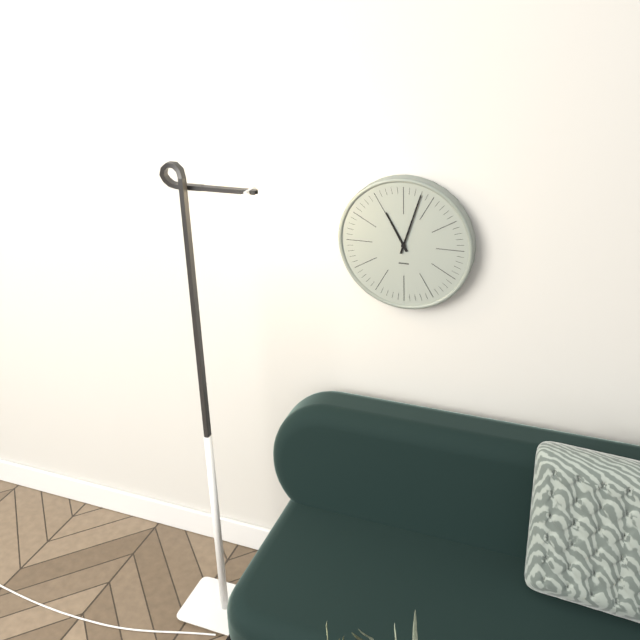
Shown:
11:03
